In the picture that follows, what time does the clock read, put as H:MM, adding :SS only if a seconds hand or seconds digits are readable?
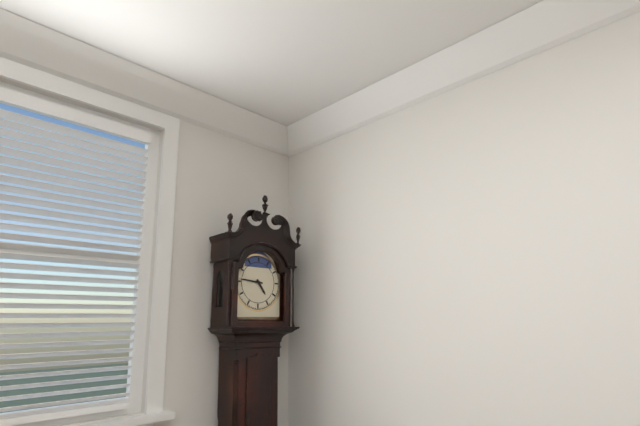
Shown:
4:46
